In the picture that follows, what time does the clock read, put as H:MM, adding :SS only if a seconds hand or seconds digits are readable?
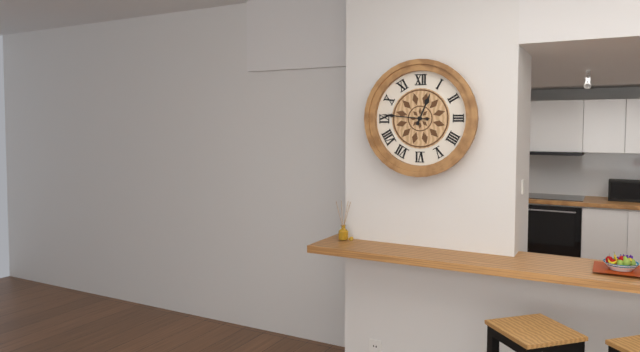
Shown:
12:46
